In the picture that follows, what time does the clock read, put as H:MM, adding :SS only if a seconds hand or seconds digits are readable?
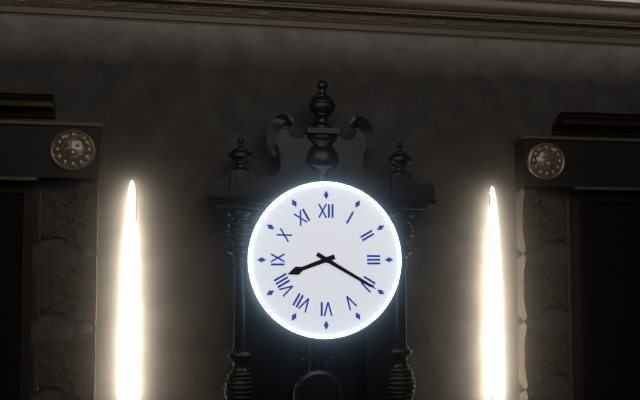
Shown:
8:20
